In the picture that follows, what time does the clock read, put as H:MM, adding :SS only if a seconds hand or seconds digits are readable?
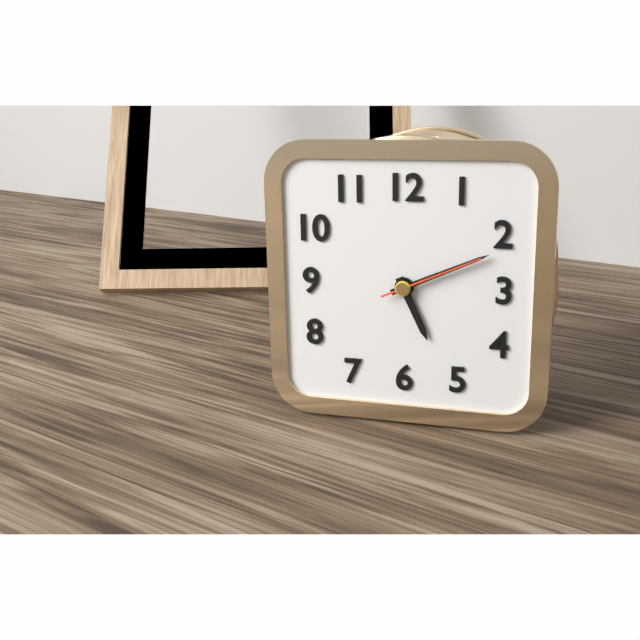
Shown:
5:11:11
